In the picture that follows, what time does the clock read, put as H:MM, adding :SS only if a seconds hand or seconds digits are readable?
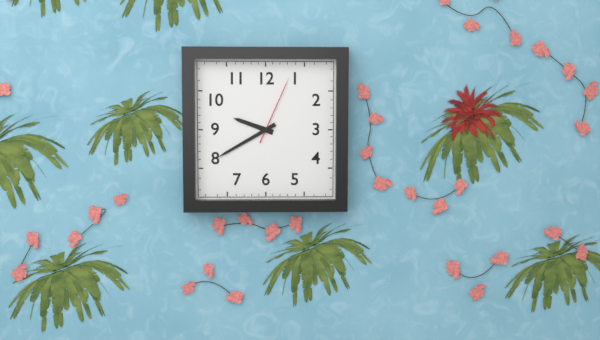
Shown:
9:40:04
